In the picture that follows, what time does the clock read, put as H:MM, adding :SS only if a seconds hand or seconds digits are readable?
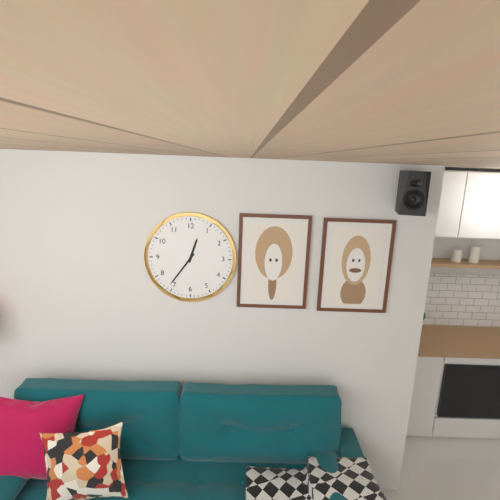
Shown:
12:36
